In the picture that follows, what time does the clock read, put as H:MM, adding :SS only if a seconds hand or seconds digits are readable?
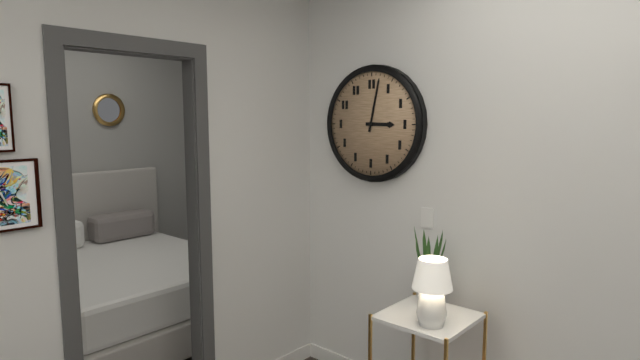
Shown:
3:02
